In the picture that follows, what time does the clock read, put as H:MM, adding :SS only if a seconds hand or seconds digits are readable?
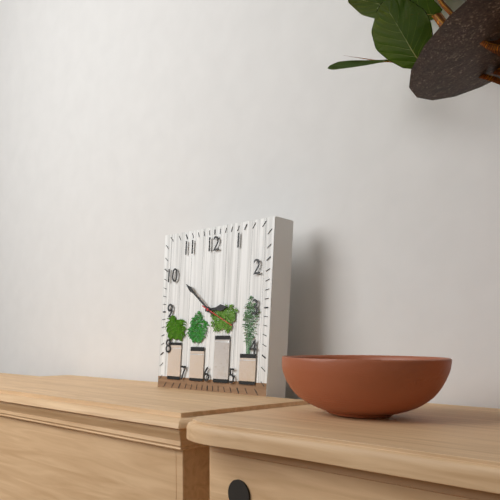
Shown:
2:51
